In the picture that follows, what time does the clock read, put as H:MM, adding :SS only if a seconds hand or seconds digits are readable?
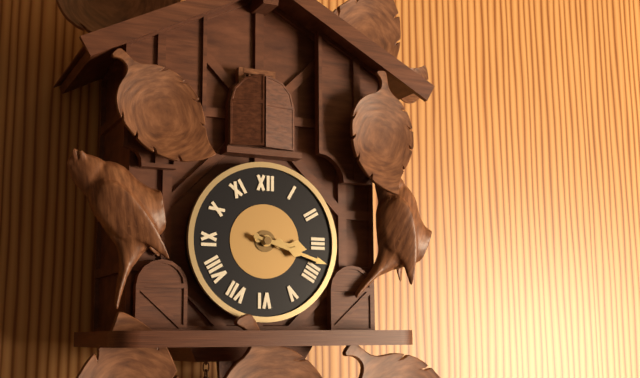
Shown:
3:18
